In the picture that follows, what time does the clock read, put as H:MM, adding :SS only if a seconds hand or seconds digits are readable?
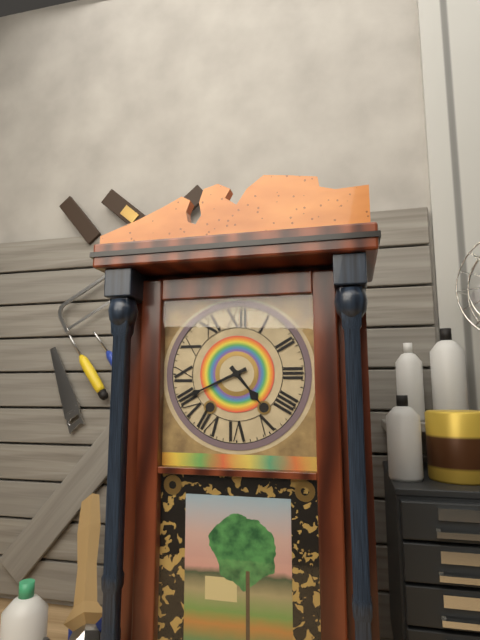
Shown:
4:41
